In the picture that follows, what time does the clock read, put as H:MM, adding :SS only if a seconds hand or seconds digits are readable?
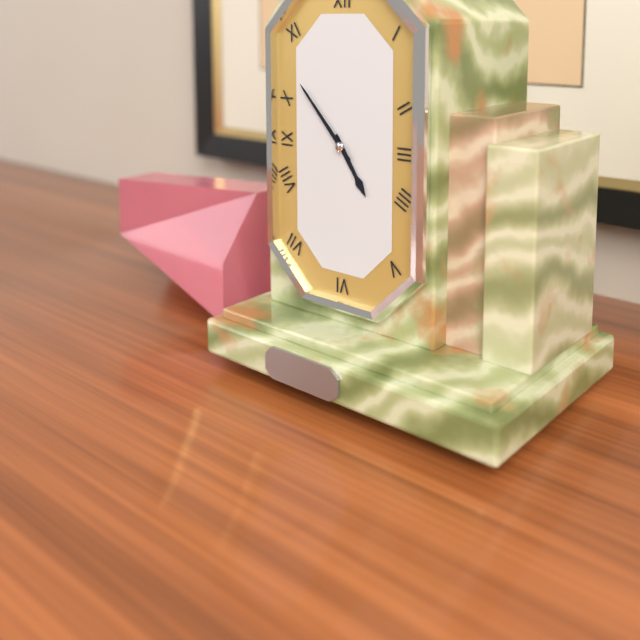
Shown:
4:53
